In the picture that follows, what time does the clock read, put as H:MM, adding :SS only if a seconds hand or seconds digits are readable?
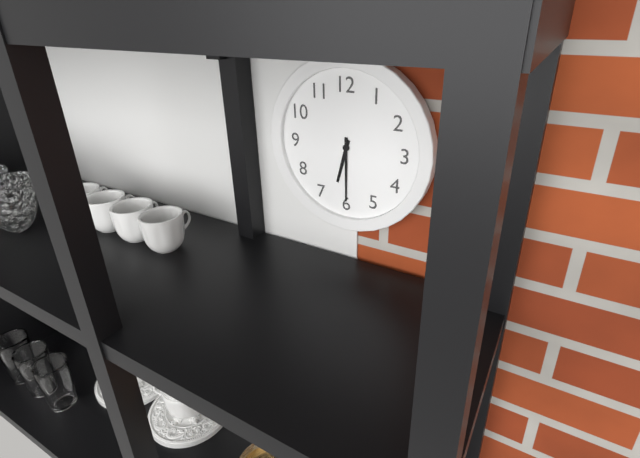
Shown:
6:30
